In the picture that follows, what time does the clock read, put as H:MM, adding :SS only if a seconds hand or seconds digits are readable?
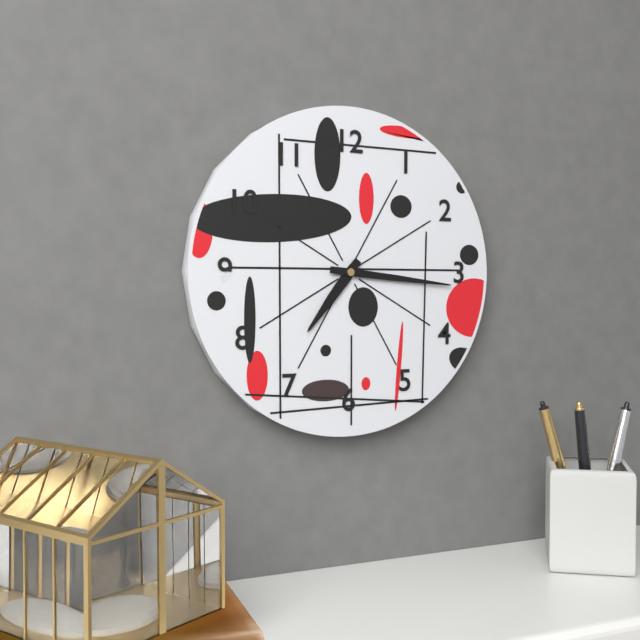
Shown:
7:16
